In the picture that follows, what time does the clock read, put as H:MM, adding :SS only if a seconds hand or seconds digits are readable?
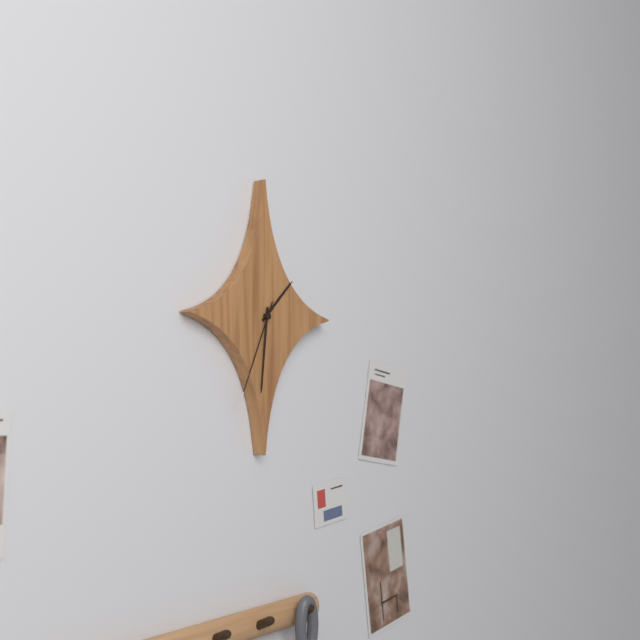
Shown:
1:31:34
